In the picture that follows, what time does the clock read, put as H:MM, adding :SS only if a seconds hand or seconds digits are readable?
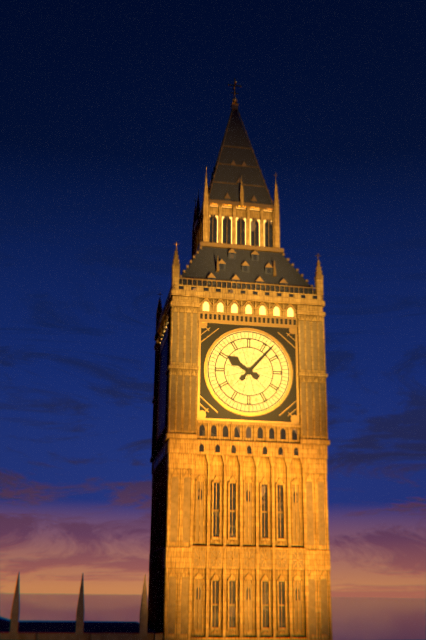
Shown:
10:07
